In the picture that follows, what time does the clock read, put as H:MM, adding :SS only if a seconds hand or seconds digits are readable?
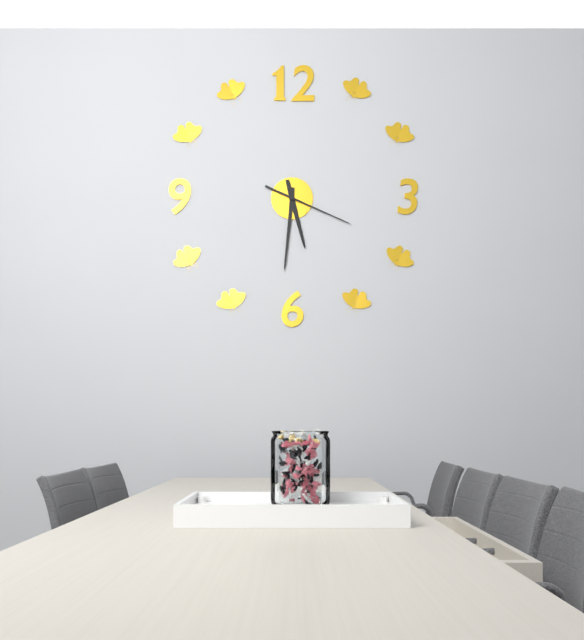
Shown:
5:31:19
